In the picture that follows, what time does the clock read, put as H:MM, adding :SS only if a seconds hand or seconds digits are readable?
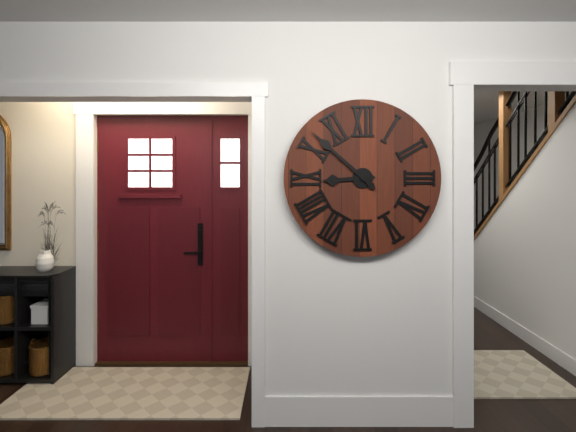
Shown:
8:52
